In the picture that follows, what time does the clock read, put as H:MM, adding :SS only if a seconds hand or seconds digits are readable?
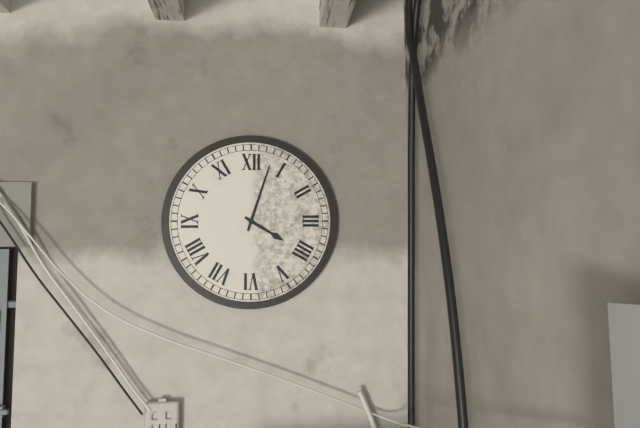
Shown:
4:03
